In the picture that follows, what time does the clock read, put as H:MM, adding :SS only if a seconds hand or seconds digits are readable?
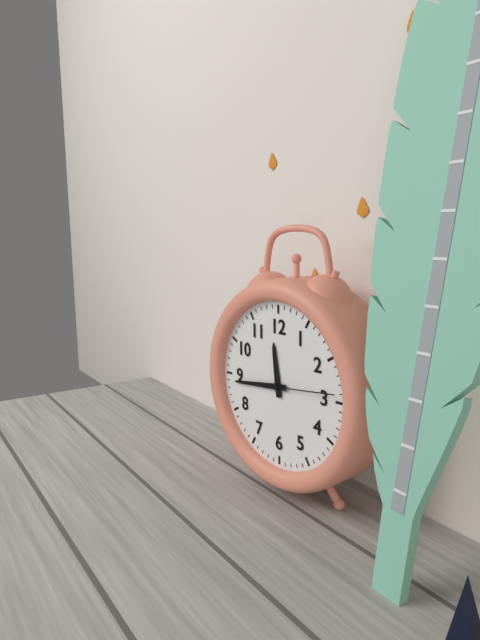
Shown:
11:44:14
